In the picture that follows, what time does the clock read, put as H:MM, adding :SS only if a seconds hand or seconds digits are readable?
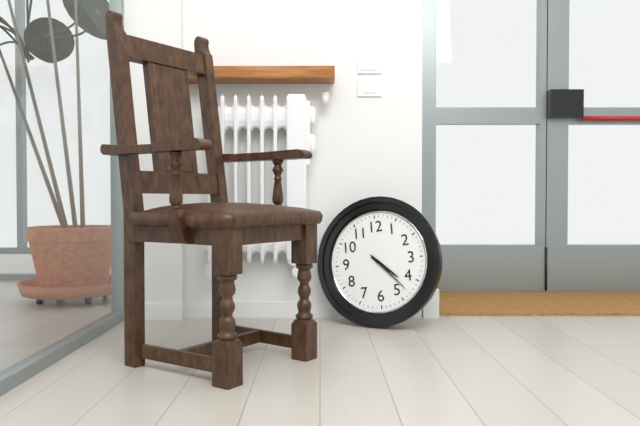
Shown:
4:23
